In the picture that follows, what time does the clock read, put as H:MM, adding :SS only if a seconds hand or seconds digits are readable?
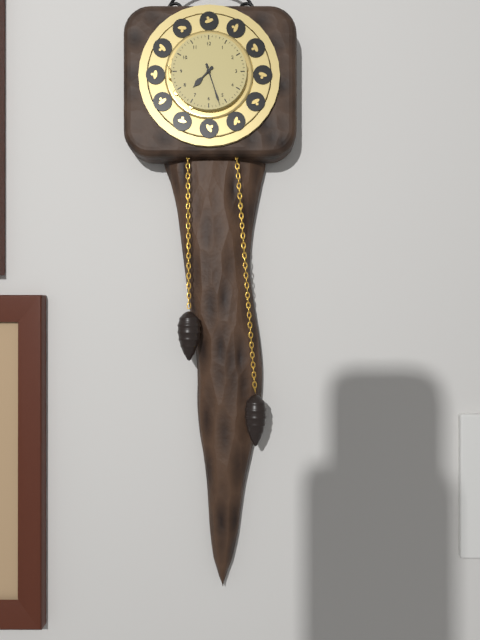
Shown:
7:27
